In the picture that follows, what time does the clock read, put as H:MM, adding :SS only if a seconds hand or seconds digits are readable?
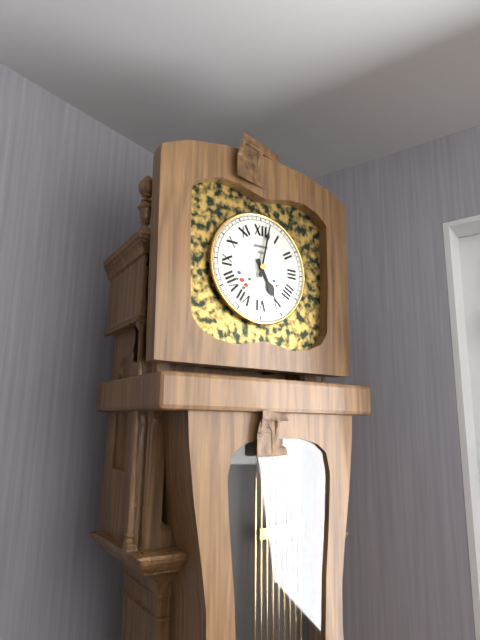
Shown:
5:02
